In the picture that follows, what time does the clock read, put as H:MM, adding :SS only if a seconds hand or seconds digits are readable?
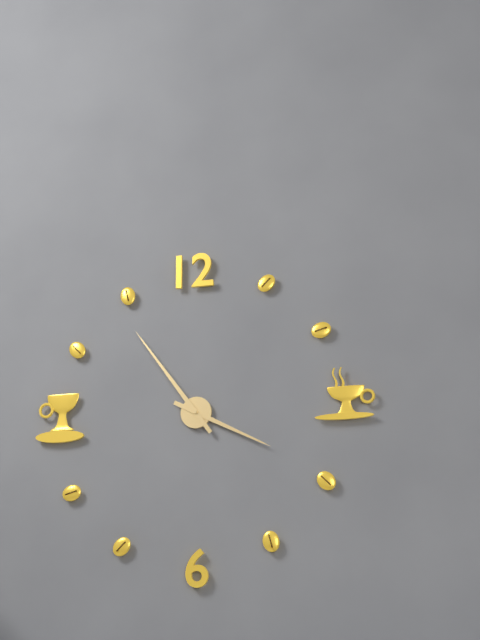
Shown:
3:54
